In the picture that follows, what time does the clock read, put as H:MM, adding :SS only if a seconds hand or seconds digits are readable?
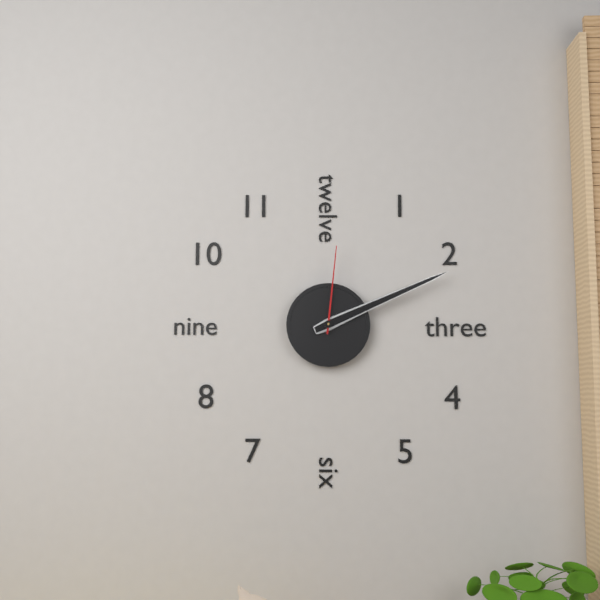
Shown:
2:11:01
